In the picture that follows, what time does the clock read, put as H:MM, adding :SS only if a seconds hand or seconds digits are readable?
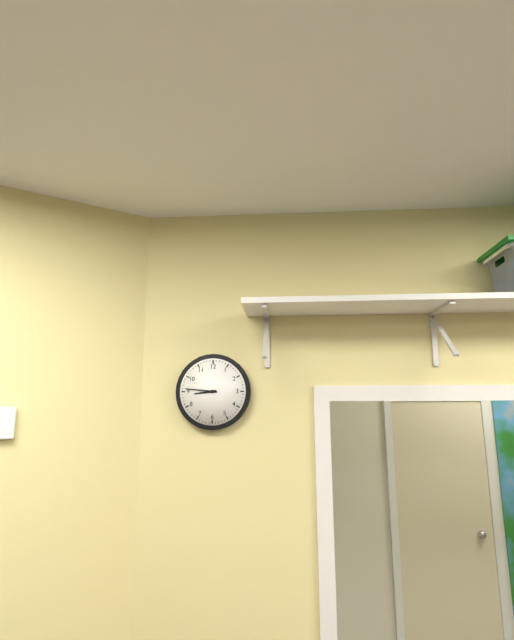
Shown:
8:46
